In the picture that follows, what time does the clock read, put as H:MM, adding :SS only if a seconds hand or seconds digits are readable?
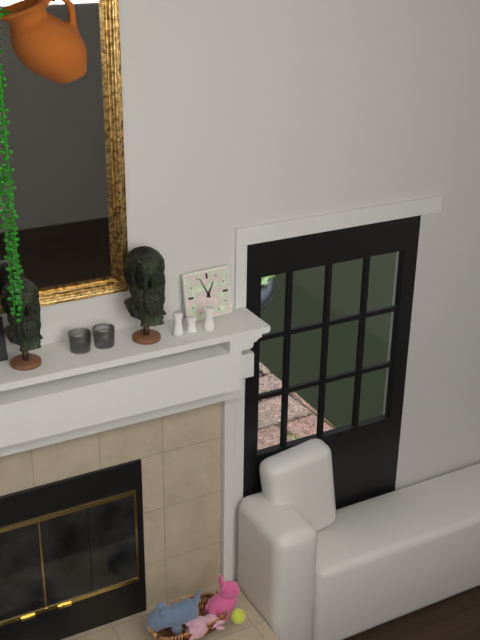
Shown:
12:56
